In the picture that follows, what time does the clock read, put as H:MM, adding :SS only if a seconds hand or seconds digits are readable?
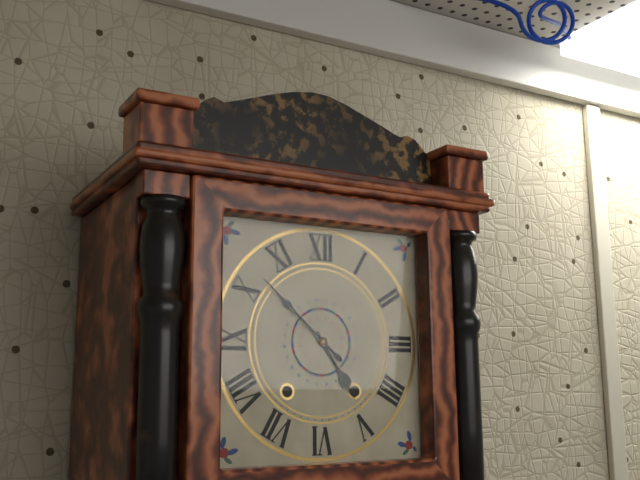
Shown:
4:52
